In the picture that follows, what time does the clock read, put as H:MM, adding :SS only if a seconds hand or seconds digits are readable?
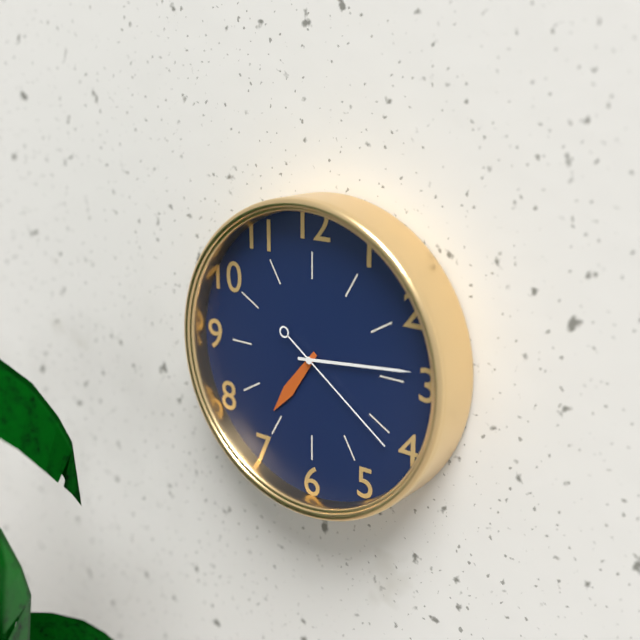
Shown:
7:14:21
